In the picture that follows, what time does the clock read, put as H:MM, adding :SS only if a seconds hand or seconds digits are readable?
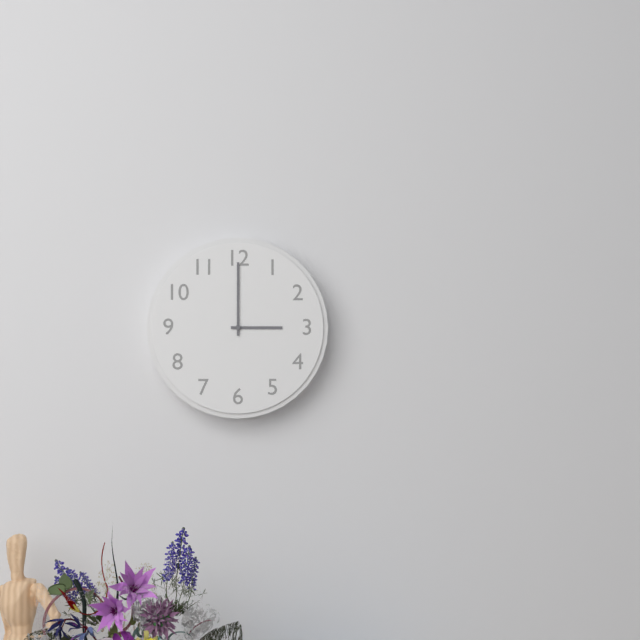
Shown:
3:00
